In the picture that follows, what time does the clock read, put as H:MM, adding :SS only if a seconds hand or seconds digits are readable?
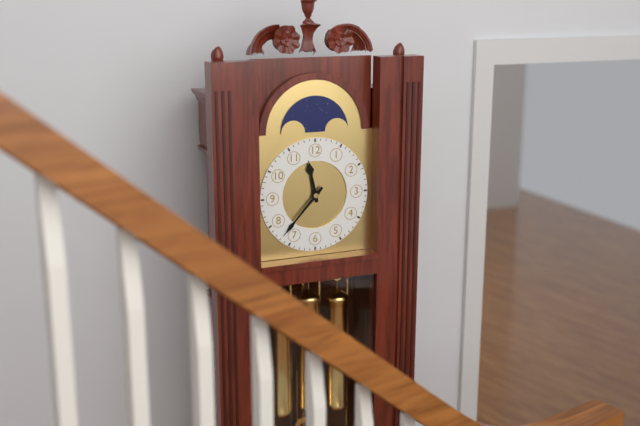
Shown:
11:37
